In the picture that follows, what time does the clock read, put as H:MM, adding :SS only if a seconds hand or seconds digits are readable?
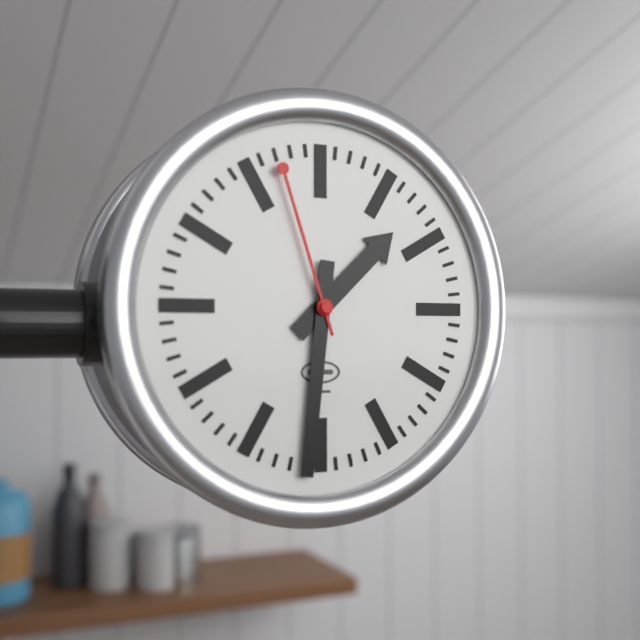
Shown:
1:31:57
